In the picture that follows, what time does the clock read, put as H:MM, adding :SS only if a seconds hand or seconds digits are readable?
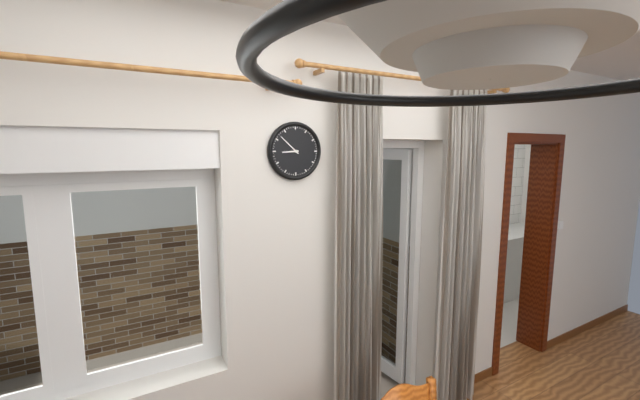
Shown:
8:52
